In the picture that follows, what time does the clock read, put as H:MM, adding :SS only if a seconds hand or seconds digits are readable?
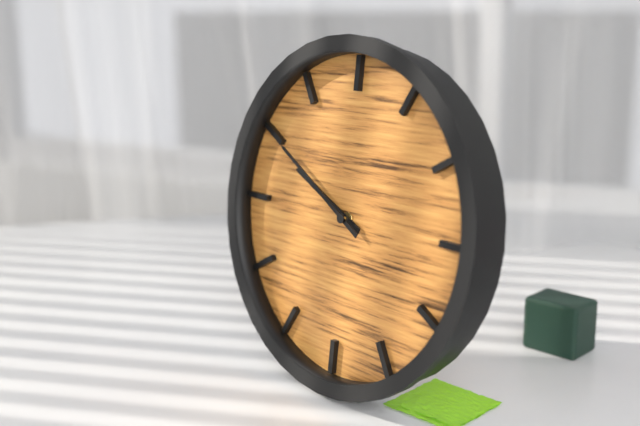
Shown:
9:50
